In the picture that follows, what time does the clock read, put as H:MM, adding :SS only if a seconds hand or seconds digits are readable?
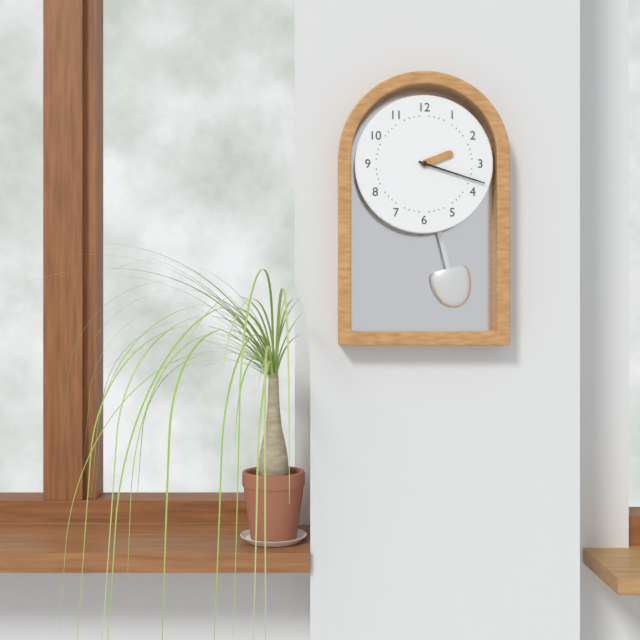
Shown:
2:18
